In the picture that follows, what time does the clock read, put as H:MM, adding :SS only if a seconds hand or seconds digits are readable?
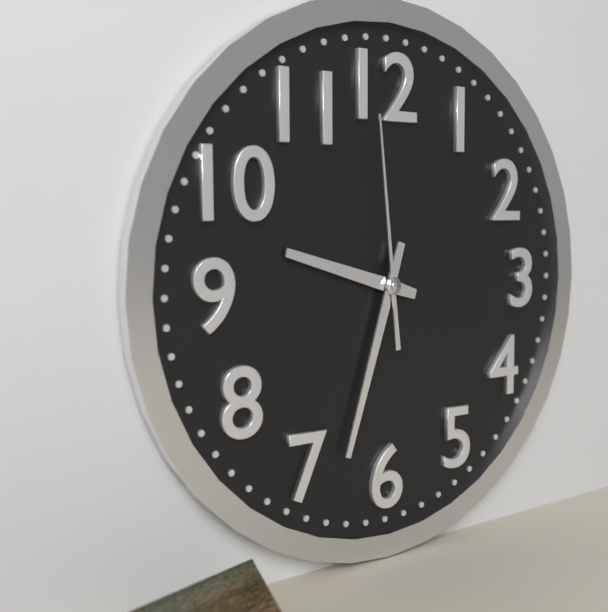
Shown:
9:33:59
